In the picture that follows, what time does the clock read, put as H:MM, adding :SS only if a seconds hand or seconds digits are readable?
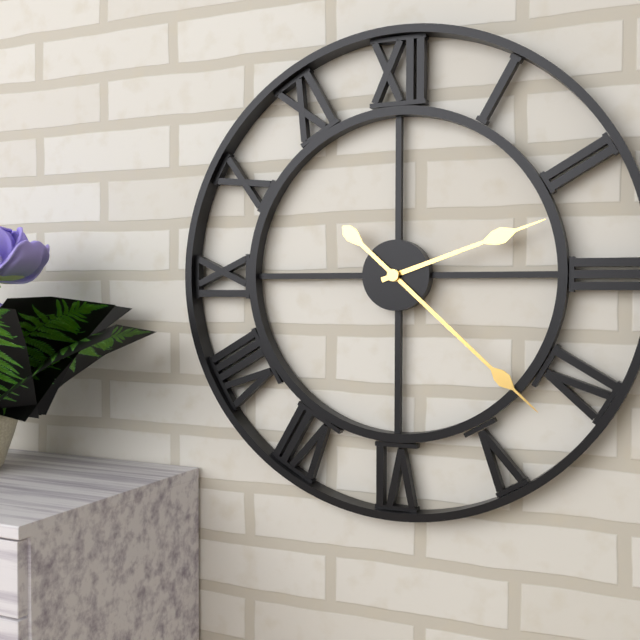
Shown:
2:22
